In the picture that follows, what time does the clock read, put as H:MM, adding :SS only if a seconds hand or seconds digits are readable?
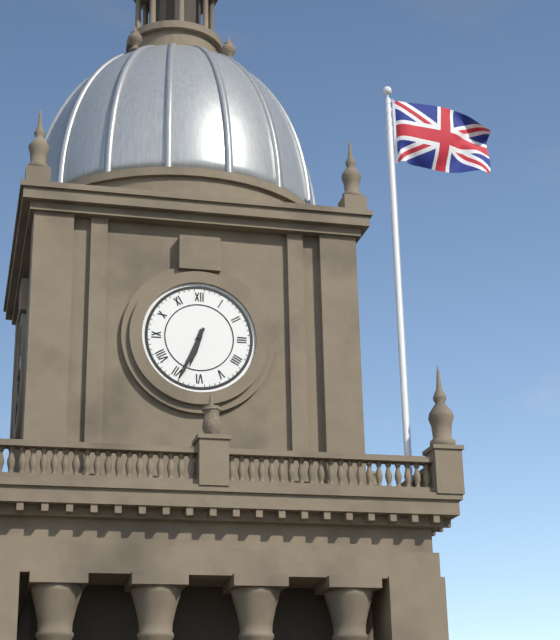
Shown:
6:34
